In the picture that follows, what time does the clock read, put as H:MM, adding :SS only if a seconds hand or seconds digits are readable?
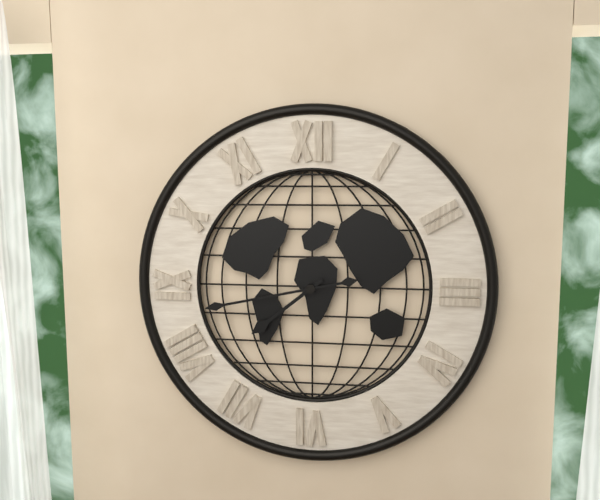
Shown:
7:43
